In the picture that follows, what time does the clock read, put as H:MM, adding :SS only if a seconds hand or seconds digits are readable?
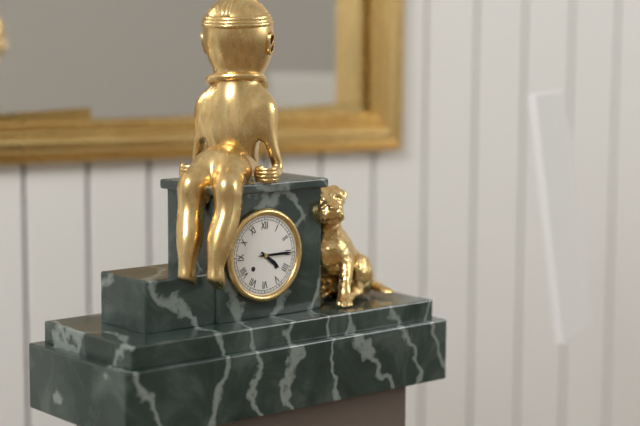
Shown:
4:15
